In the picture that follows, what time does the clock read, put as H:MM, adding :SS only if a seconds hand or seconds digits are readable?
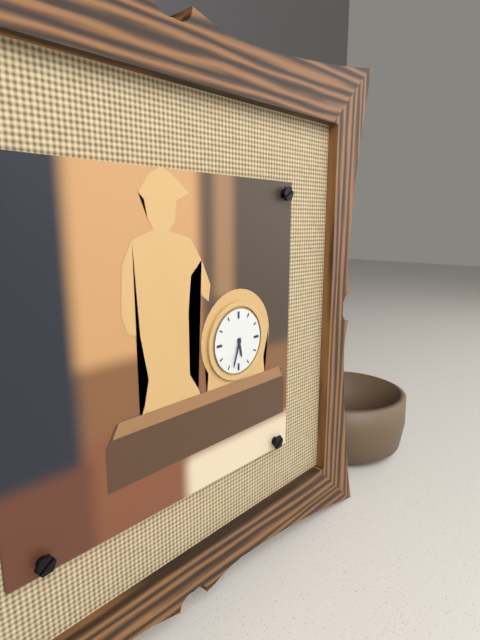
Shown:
5:33
